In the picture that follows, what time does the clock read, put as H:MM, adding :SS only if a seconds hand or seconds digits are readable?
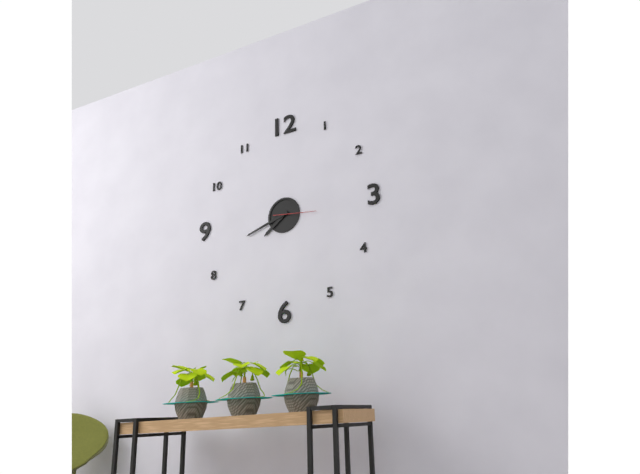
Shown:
7:42
